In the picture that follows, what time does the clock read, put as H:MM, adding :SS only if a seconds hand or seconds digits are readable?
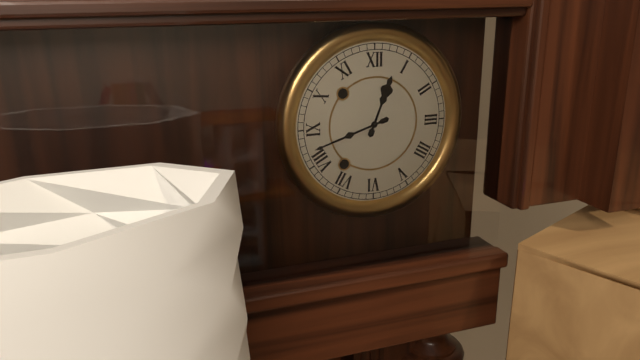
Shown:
12:42
